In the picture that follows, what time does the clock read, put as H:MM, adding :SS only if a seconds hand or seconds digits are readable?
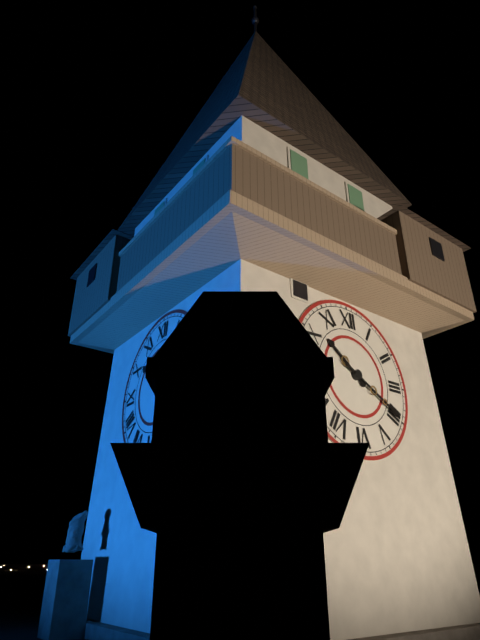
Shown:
10:20
